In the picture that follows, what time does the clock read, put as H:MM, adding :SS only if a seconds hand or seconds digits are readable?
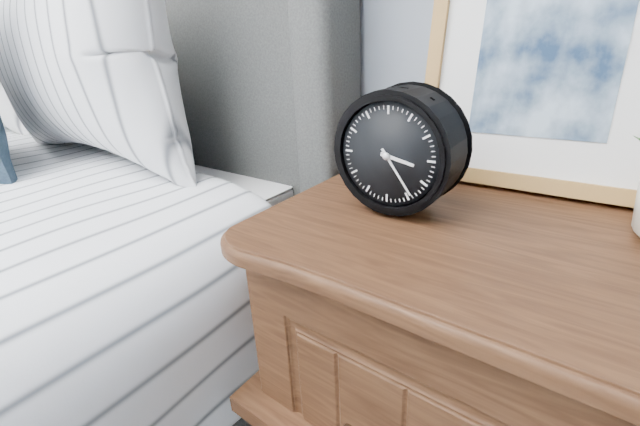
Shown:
3:24
